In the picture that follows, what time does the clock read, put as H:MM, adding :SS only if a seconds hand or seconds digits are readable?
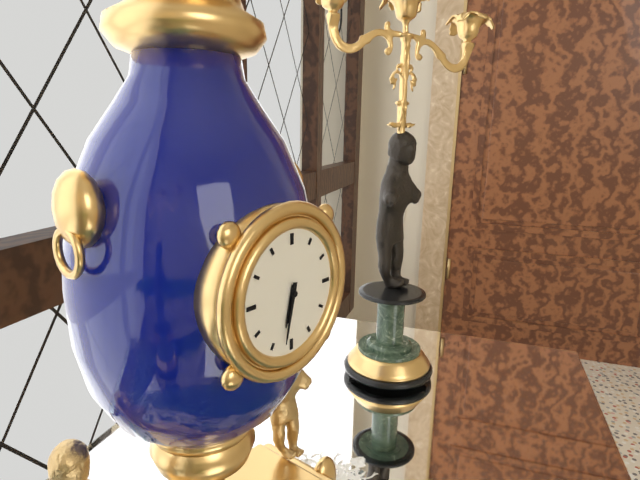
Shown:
6:32
